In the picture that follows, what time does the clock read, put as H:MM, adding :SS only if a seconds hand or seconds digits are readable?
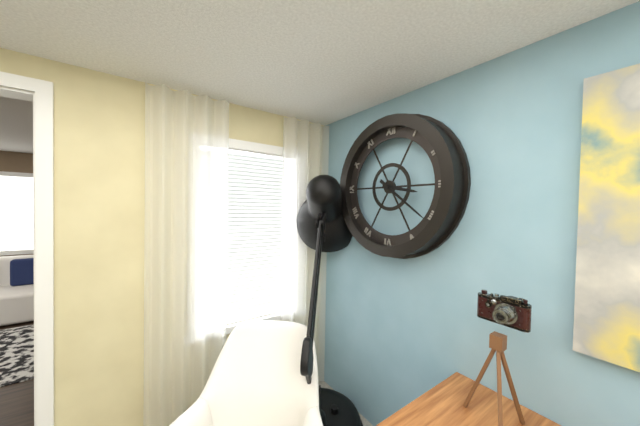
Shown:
3:21
